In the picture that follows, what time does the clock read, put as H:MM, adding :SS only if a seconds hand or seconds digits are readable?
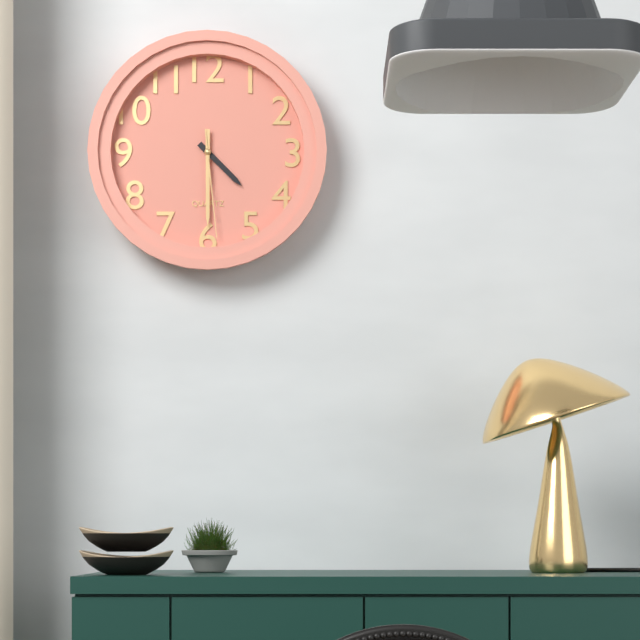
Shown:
4:30:29
